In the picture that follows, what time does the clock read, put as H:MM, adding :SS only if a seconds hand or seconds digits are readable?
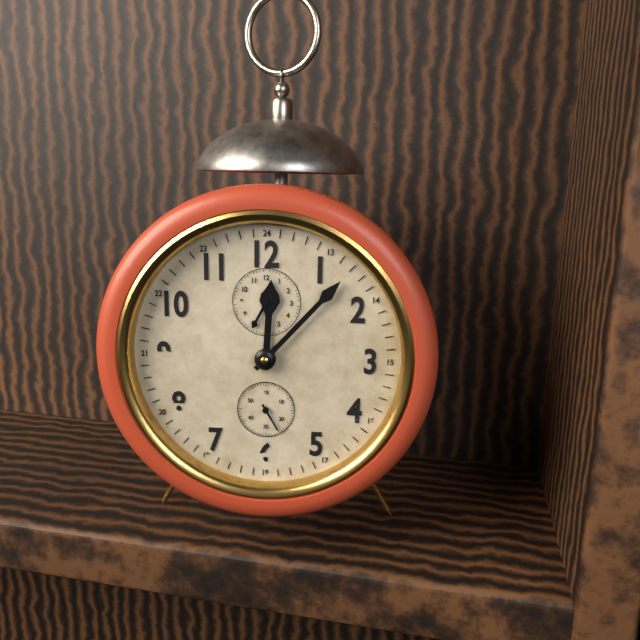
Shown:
12:07
